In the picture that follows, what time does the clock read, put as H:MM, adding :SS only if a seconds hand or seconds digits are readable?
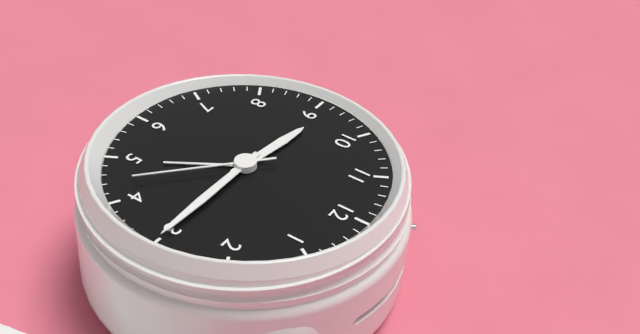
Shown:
9:15:22
